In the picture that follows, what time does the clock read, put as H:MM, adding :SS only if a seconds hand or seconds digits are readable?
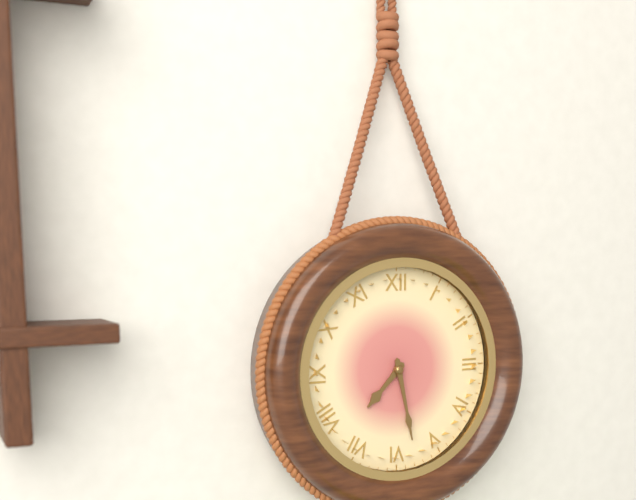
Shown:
7:28
